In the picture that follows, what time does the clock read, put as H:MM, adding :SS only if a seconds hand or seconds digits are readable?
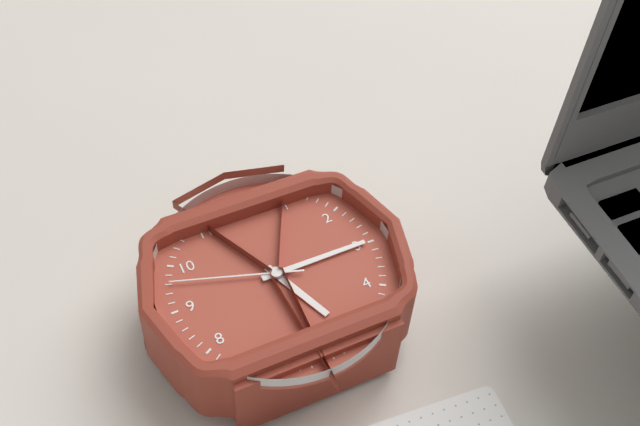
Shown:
5:15:48
